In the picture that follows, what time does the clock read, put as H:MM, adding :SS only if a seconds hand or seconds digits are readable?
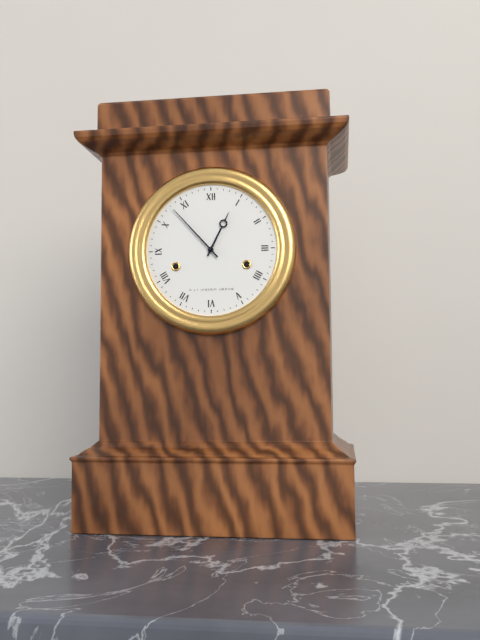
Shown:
12:53
